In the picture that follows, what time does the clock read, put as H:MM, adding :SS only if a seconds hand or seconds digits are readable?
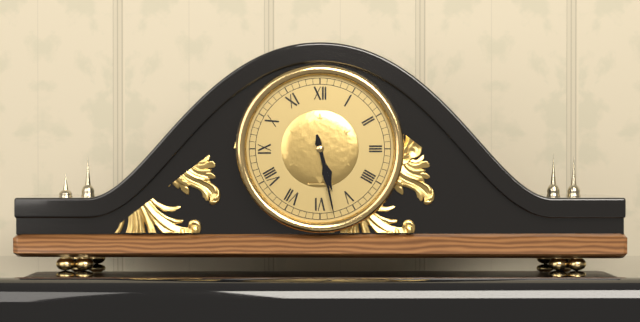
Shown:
5:28
